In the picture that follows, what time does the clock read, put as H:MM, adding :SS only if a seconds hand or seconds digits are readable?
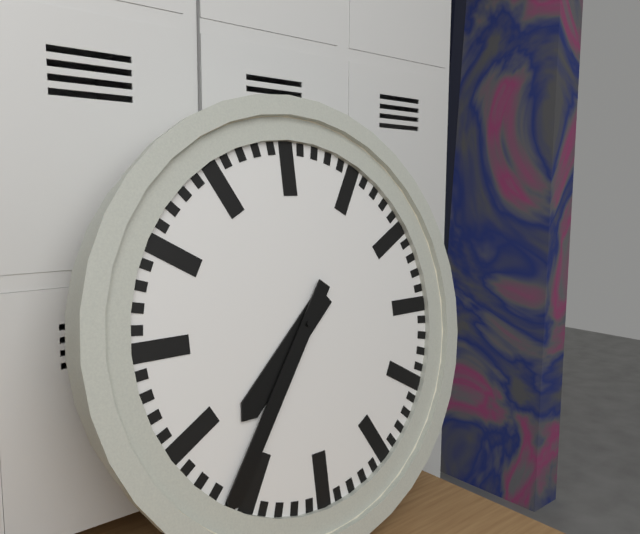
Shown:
7:36
